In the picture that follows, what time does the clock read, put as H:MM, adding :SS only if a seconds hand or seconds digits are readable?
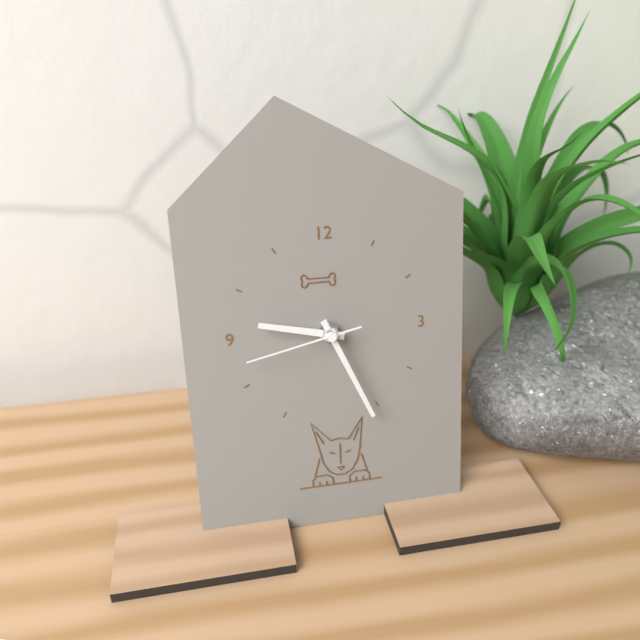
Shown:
9:26:43
